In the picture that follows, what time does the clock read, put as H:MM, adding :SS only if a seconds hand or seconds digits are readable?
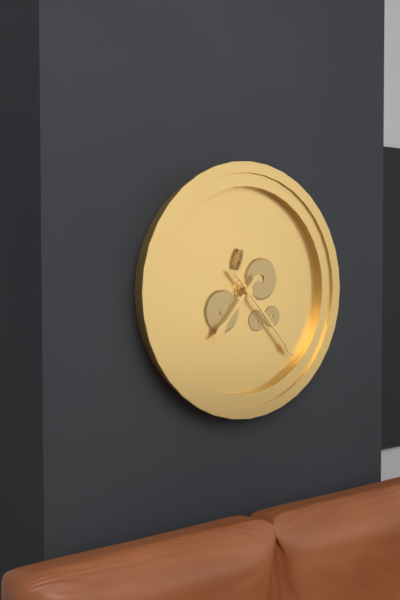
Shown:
7:23
